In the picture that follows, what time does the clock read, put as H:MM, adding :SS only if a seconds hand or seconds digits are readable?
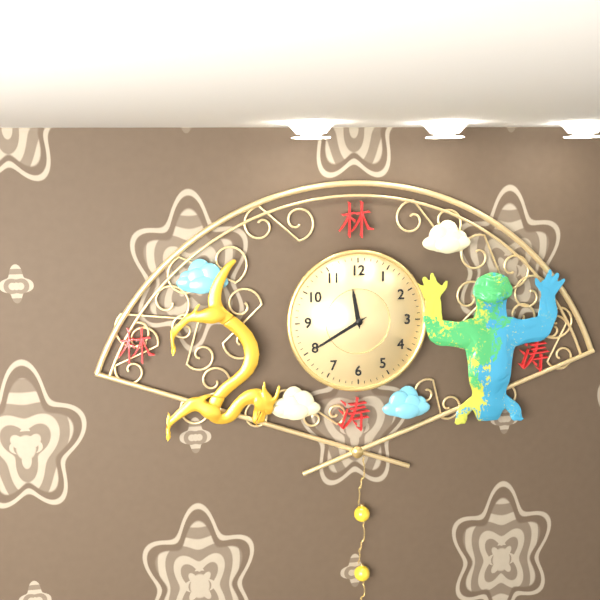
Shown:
11:40
